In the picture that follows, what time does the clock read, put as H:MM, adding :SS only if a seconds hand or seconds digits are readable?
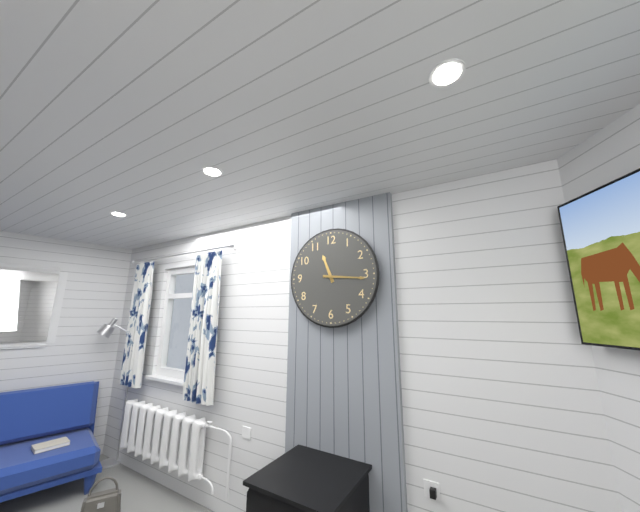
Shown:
11:16
